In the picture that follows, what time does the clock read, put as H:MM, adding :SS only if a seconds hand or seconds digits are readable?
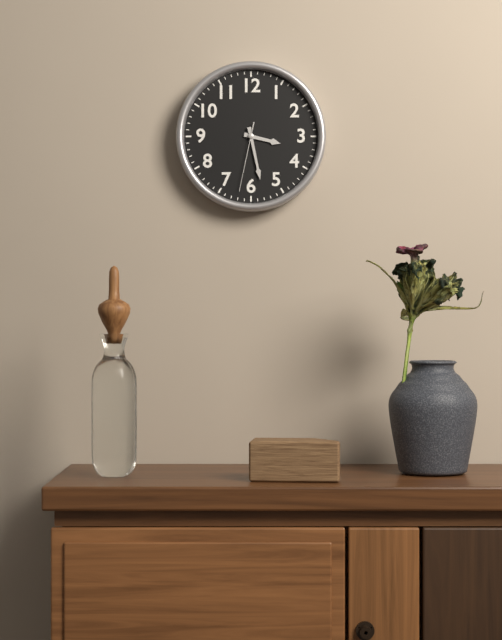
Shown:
3:28:32
